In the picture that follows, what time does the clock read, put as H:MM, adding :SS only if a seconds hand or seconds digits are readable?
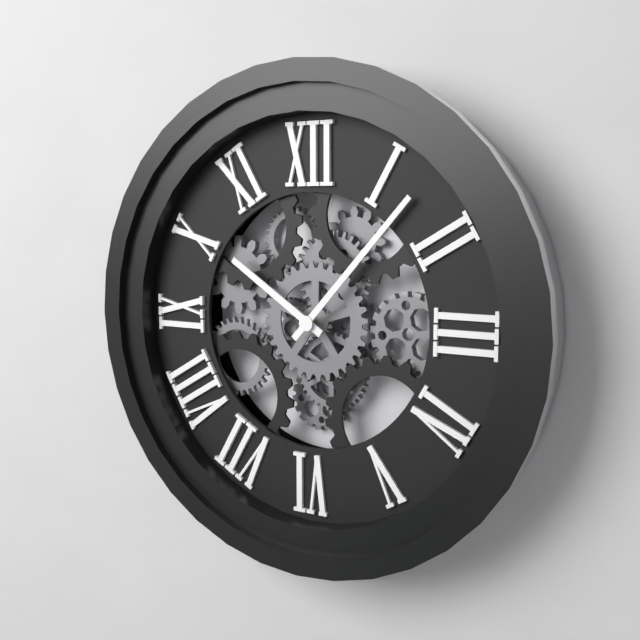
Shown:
10:07
